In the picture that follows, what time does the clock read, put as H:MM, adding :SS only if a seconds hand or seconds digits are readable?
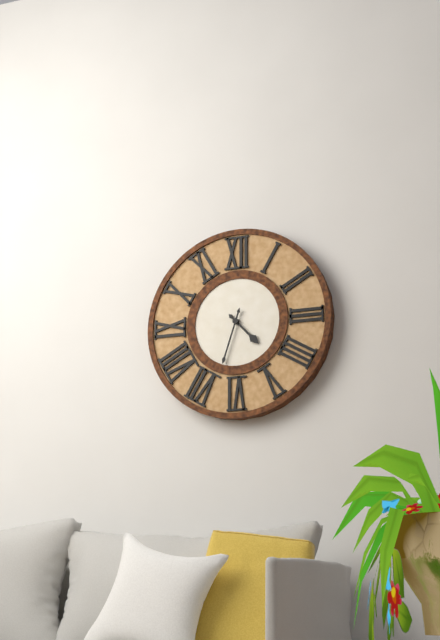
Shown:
4:33
